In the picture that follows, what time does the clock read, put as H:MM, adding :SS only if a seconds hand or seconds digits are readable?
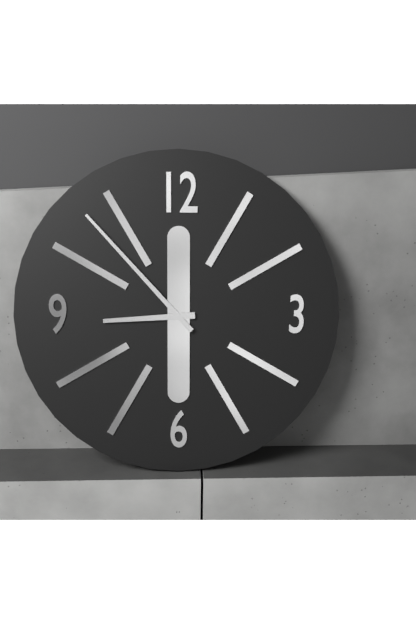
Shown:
8:53
